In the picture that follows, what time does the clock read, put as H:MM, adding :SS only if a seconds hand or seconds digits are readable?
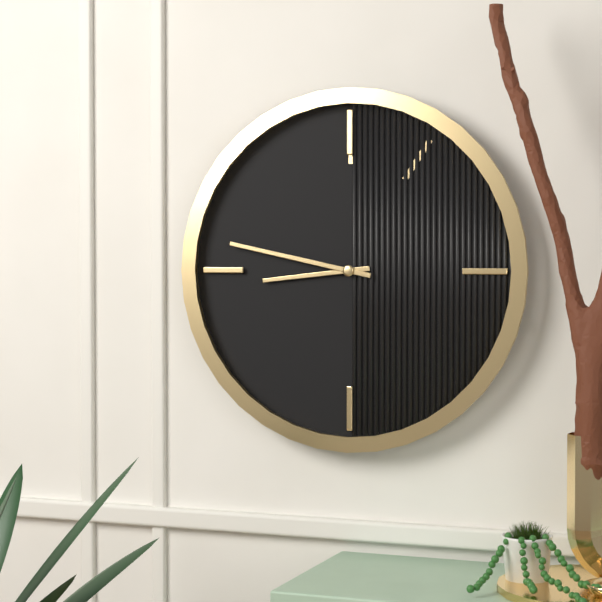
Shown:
8:47
